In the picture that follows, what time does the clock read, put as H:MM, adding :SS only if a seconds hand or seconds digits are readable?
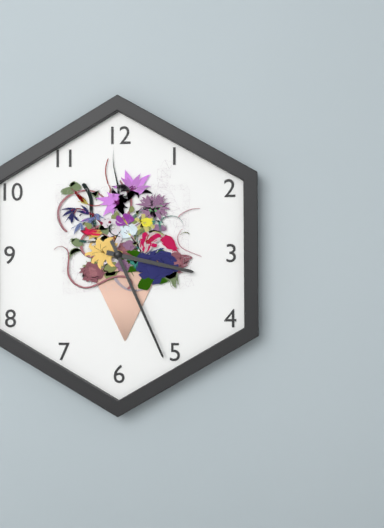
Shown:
3:26
